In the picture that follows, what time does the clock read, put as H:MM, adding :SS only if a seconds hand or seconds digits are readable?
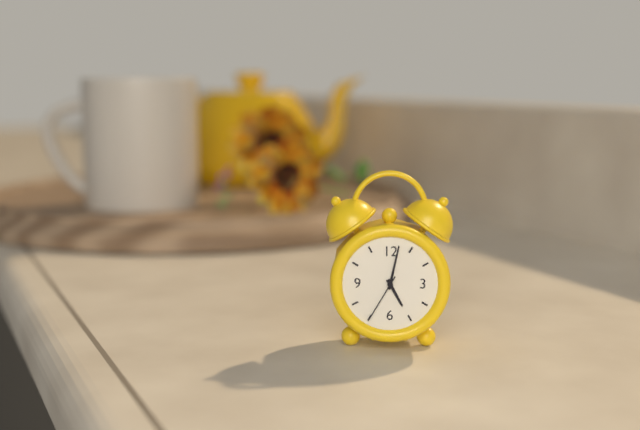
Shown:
5:02:35
